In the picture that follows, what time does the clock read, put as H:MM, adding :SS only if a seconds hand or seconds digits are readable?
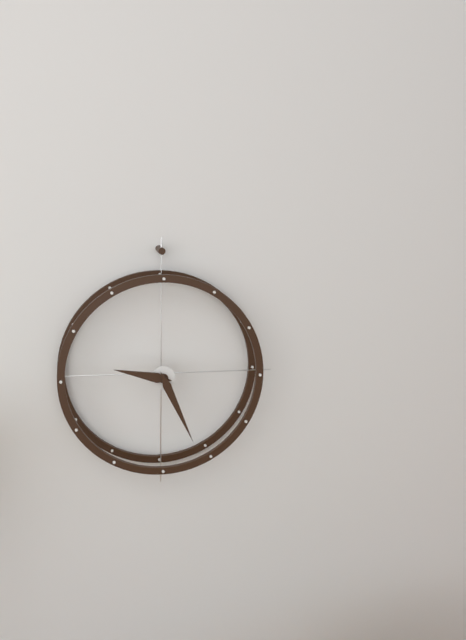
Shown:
9:26
